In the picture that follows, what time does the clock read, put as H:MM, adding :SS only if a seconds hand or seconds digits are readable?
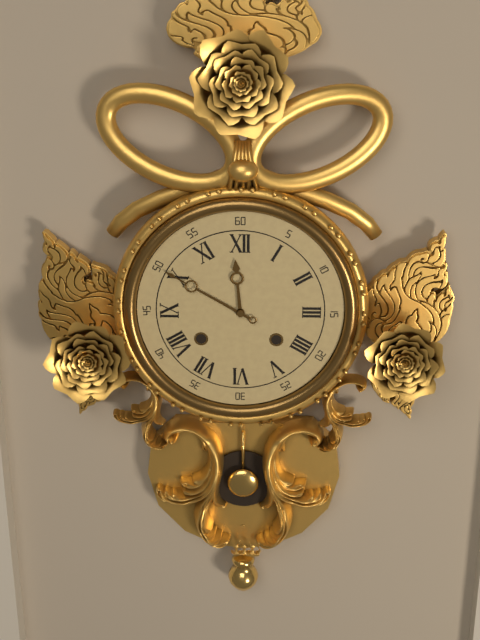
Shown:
11:50
